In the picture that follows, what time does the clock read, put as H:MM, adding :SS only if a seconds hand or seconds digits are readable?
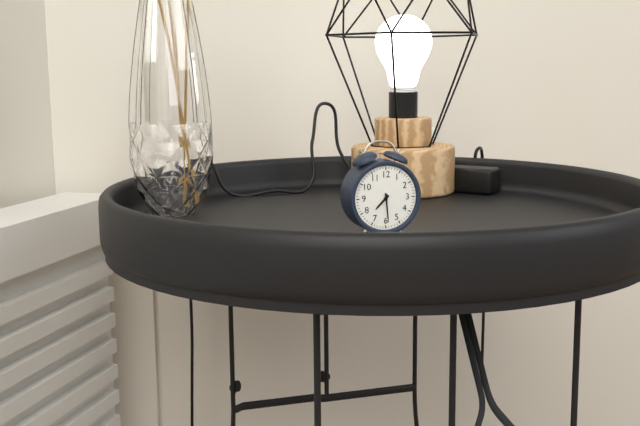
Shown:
7:29
